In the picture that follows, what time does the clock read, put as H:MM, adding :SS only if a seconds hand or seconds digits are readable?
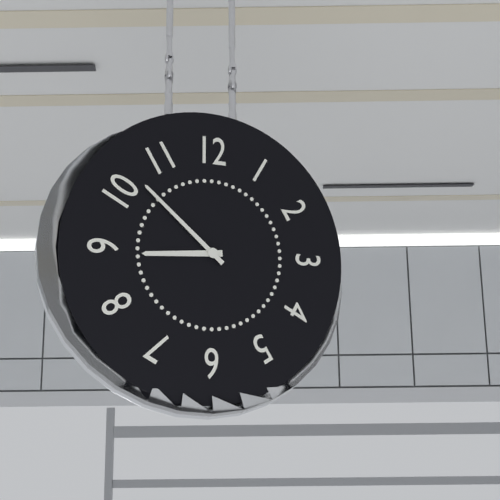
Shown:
8:52
